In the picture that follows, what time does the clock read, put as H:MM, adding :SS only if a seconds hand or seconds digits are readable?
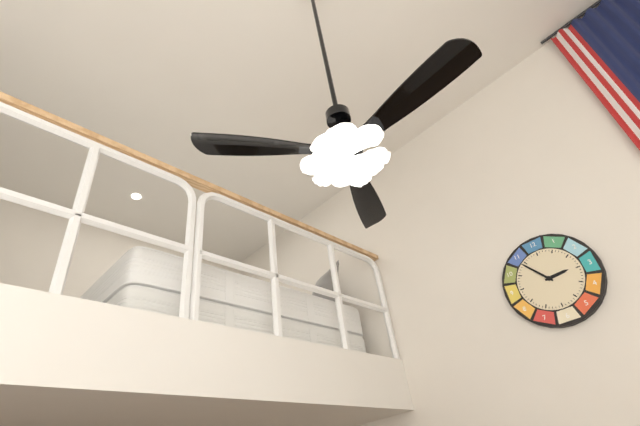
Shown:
2:54
